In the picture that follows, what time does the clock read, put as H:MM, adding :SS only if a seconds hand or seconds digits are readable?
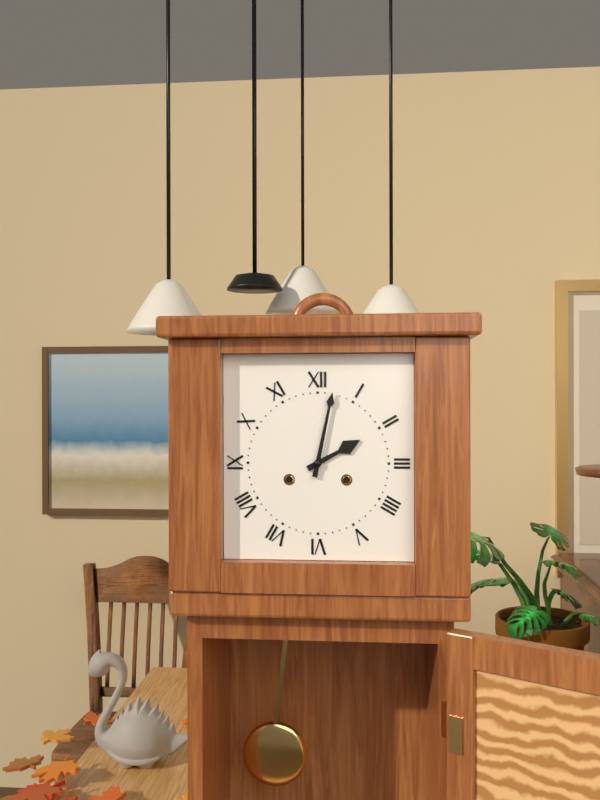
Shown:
2:02
